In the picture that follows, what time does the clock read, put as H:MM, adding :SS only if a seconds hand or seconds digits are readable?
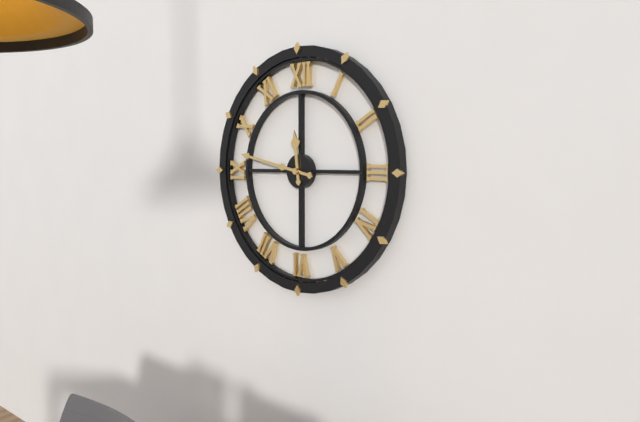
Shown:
11:47
